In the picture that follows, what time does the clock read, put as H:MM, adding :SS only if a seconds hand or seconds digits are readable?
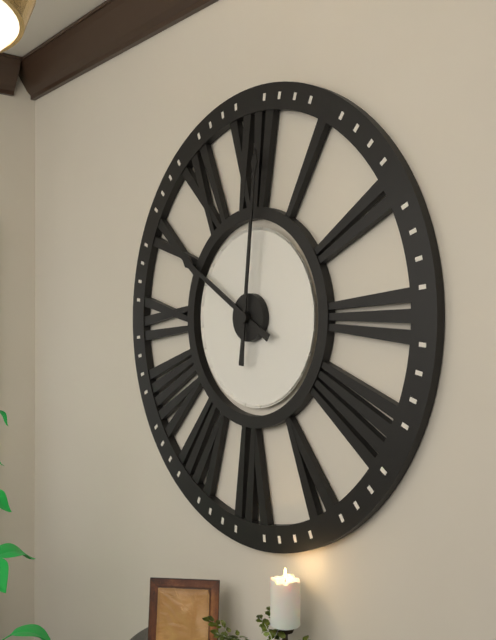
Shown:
10:01
